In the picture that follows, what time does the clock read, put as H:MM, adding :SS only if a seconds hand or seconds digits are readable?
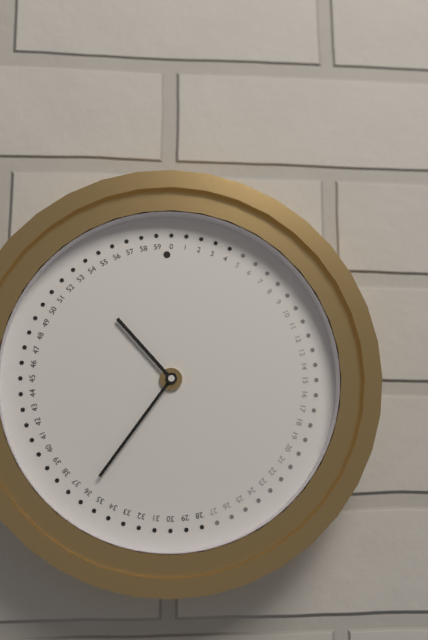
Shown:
10:36
